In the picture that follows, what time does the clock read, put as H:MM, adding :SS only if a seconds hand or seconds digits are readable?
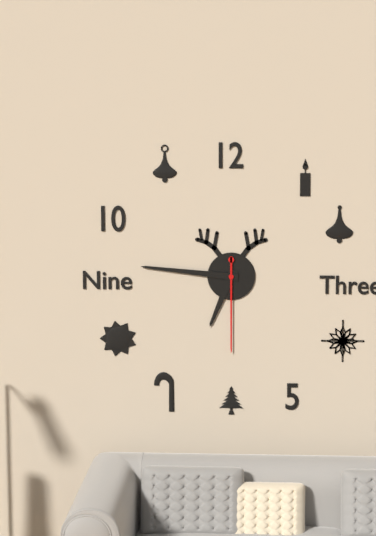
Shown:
6:46:30
